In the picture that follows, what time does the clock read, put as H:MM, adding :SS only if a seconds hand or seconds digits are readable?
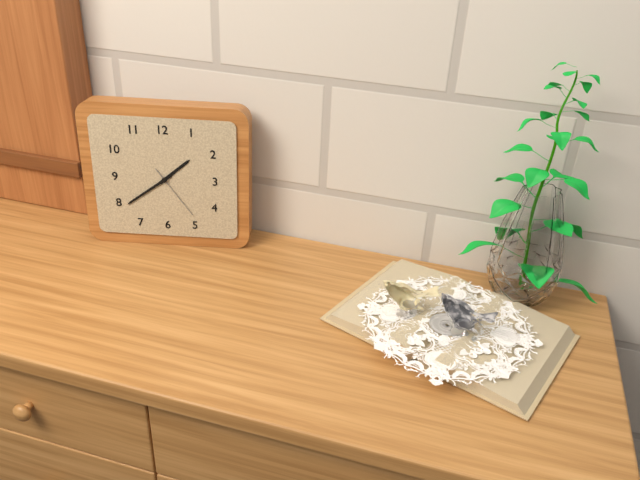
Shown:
1:39:24
